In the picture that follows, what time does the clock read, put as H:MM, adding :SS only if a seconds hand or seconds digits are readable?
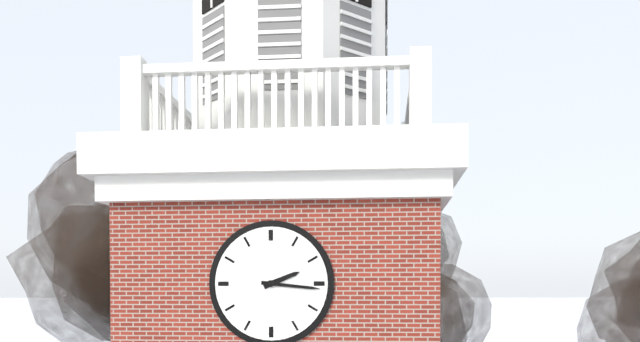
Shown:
2:16
